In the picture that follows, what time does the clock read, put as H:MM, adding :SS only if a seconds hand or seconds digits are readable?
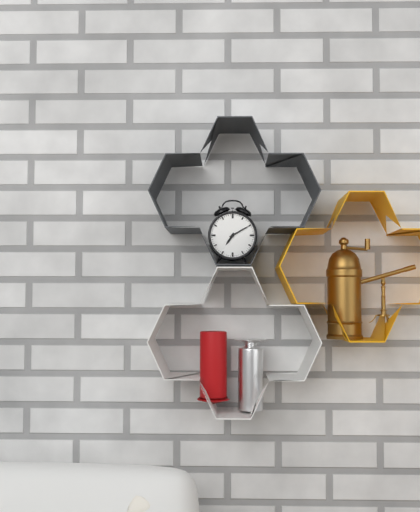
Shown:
7:10
